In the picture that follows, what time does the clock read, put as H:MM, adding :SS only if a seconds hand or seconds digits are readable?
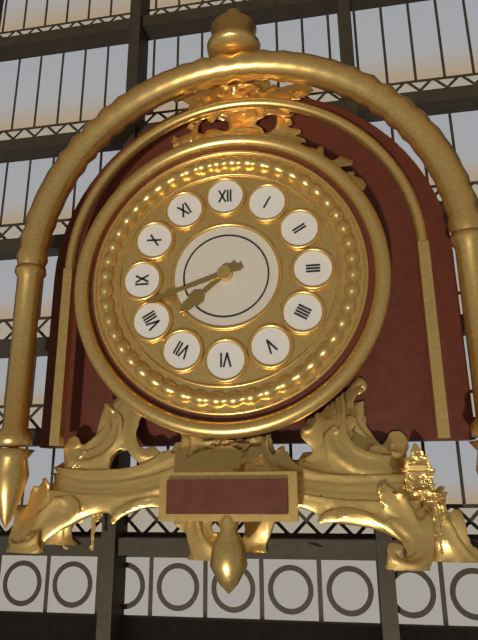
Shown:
7:42
